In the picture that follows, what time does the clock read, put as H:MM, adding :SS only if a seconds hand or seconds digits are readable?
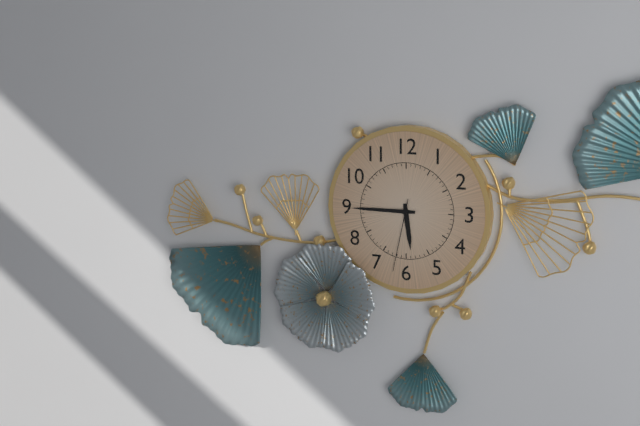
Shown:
5:45:32
